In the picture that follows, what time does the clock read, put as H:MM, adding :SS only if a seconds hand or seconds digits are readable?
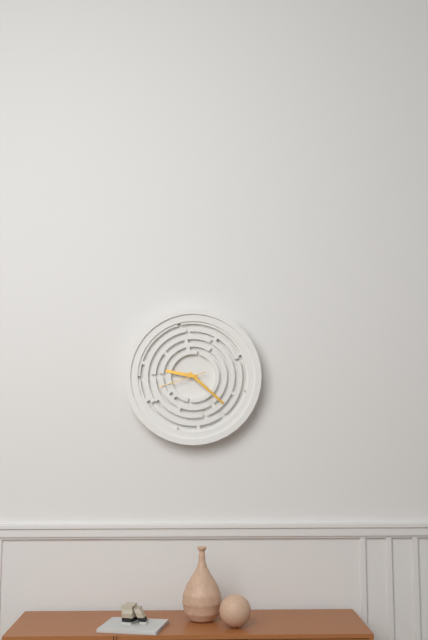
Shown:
9:22
